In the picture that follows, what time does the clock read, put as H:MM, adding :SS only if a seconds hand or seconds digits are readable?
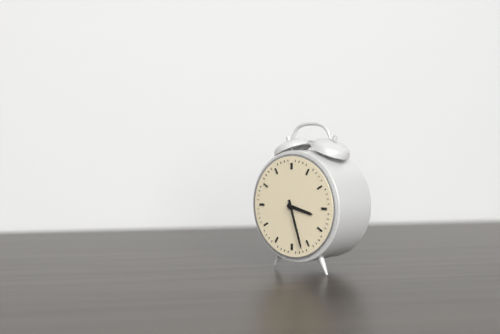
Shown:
3:27
